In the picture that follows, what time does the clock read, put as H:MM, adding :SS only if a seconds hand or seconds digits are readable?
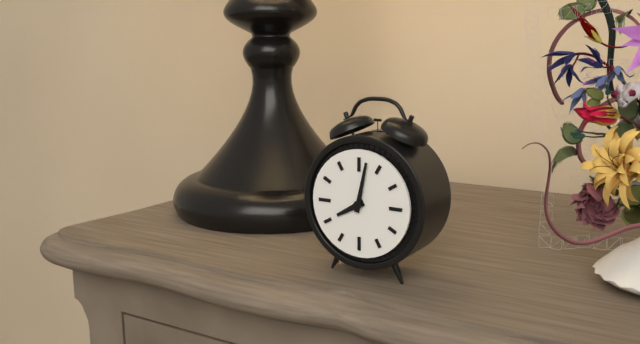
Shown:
8:02
